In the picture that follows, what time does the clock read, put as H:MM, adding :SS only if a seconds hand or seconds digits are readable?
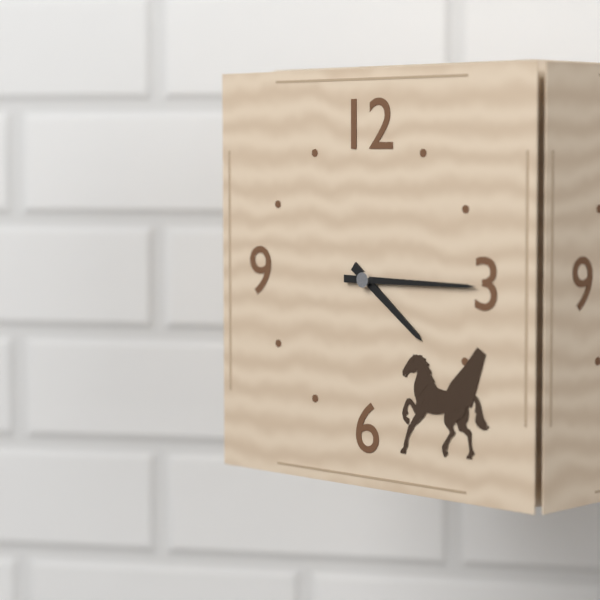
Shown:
4:15
